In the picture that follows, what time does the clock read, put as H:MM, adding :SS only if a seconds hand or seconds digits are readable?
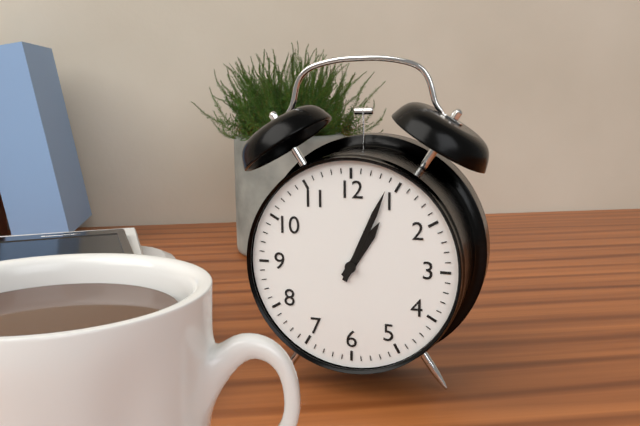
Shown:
1:04
